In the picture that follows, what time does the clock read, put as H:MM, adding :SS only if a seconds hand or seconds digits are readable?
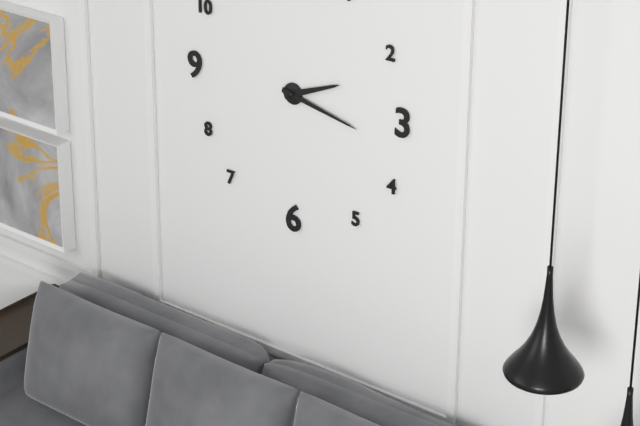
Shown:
2:17
